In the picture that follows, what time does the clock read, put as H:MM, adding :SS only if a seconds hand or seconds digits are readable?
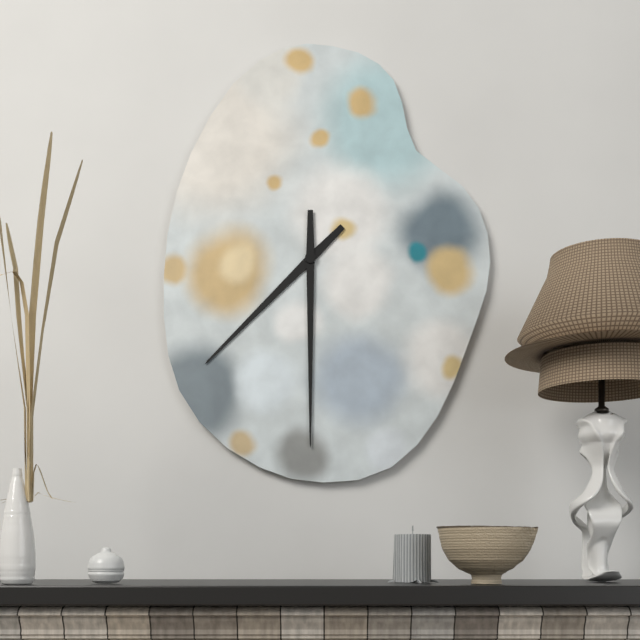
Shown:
7:30
